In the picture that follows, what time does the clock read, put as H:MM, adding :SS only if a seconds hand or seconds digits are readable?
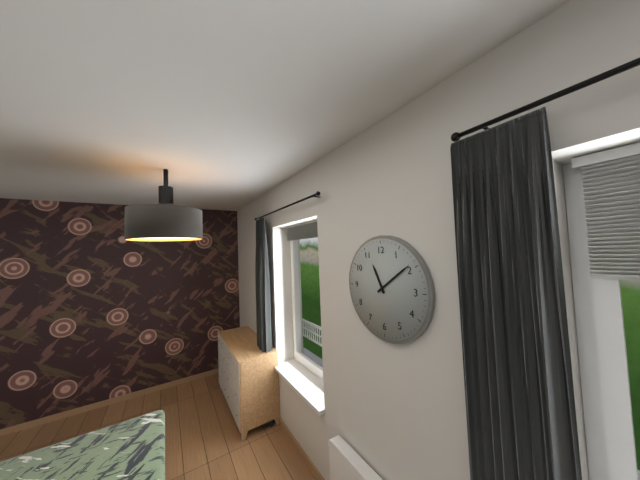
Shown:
11:09
